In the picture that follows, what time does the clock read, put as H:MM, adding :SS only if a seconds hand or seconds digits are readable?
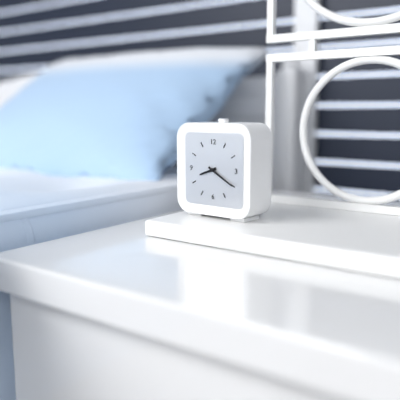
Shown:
8:20
